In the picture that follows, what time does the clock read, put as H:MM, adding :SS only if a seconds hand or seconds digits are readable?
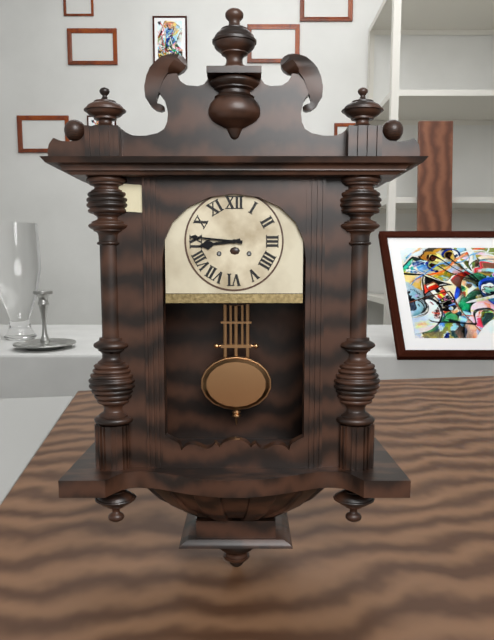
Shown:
8:46
